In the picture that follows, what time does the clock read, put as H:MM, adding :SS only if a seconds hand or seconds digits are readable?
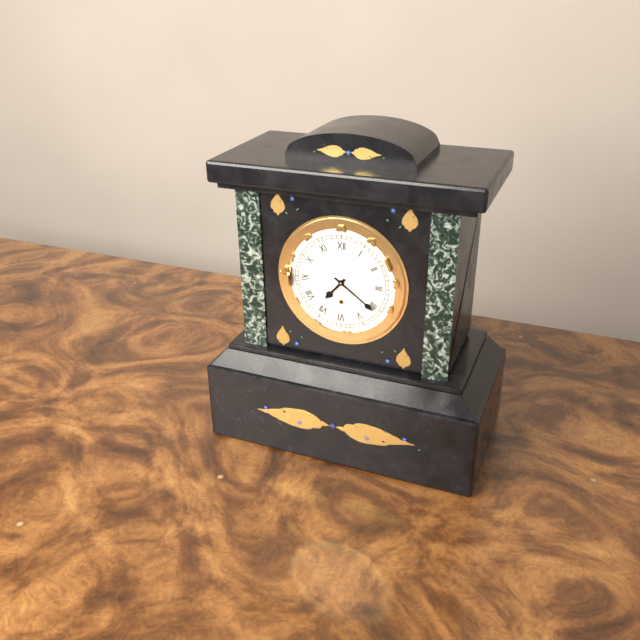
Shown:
7:21
